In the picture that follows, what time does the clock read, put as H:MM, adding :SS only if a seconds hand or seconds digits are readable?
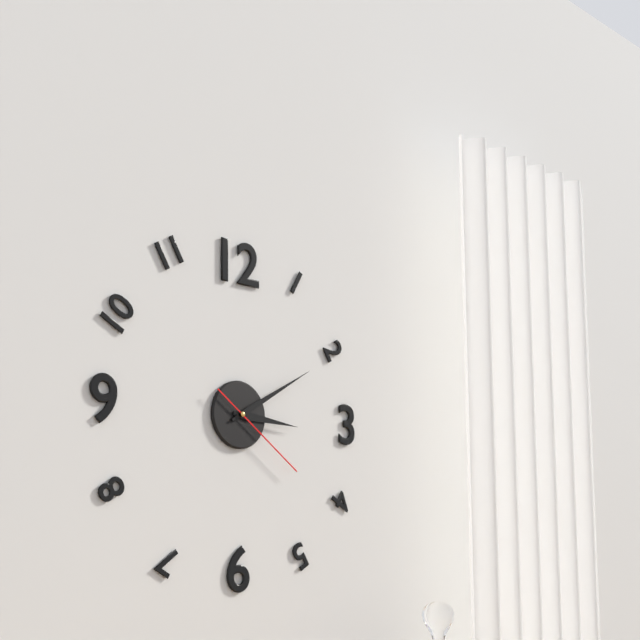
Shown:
3:10:21
